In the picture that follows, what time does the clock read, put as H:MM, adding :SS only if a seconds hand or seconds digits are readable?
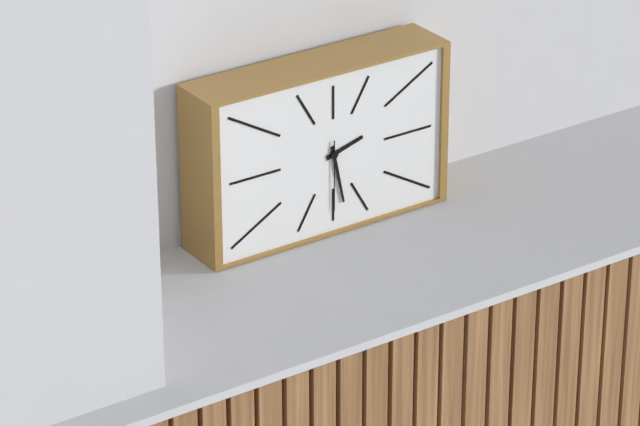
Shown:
2:28:30
